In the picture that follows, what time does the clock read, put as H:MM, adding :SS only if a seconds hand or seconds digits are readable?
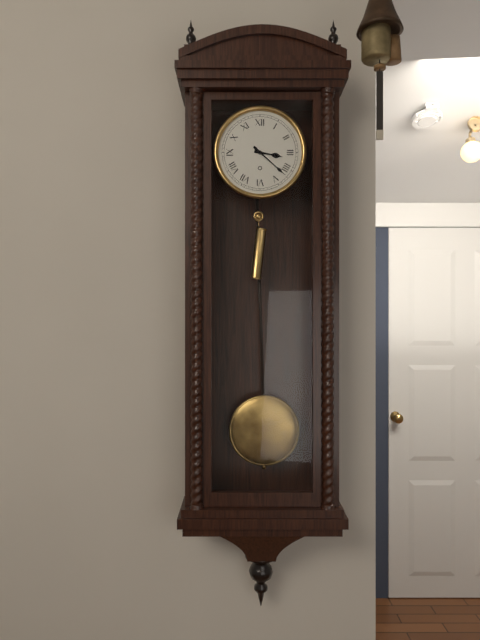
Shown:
3:22
